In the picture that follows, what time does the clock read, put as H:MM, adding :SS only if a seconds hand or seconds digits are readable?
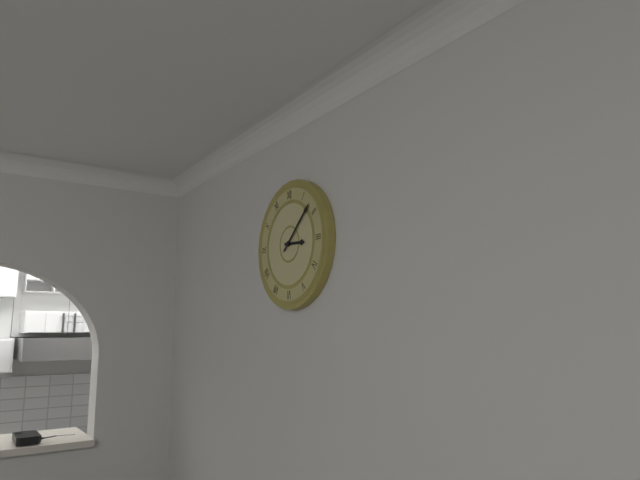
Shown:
3:08
